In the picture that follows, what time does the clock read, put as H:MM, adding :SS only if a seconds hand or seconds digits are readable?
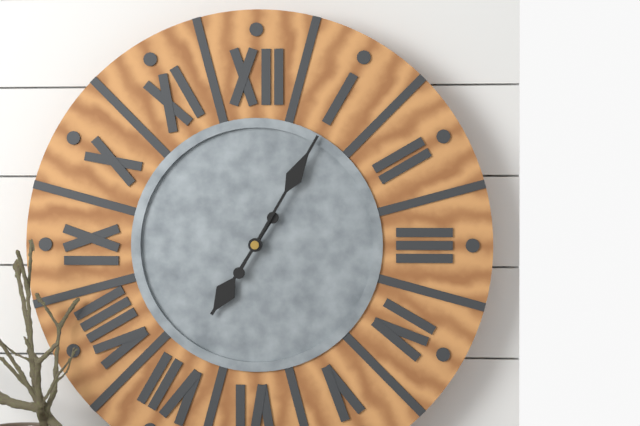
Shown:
7:05
